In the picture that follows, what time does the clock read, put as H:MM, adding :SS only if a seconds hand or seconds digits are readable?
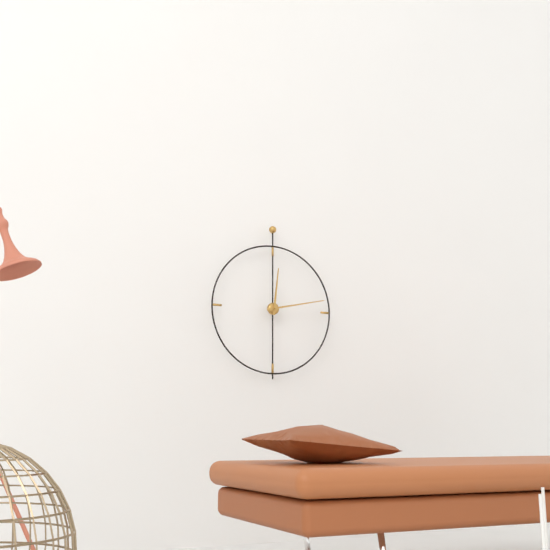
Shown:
12:13
